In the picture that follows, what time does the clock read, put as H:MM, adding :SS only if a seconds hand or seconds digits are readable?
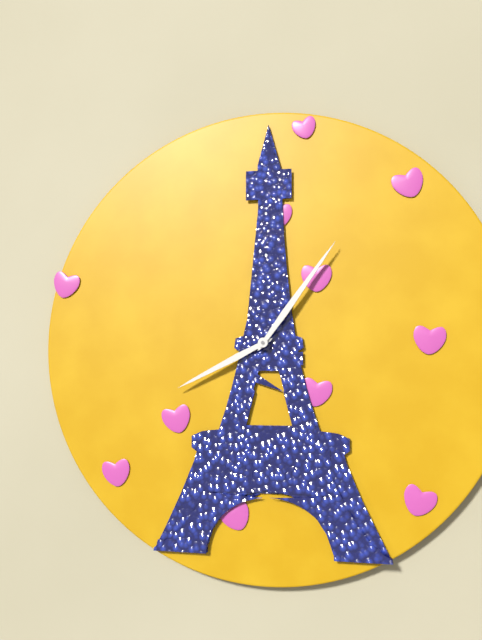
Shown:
8:06
